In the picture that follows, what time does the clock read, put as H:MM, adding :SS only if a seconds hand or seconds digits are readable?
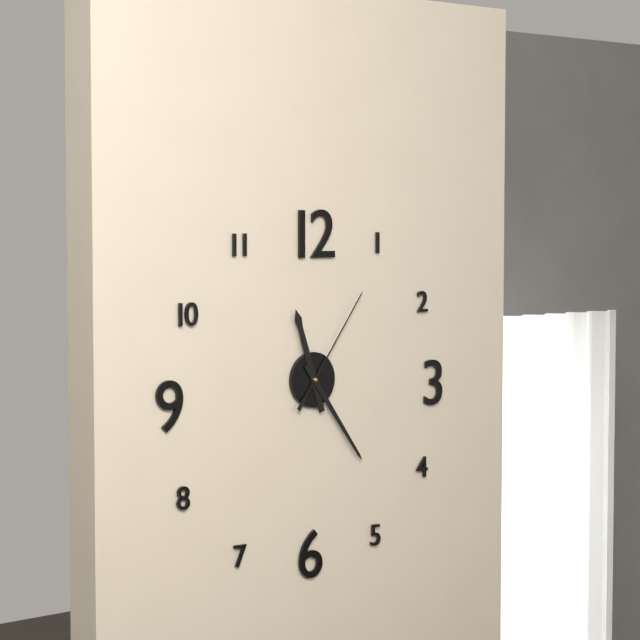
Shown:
11:24:06
